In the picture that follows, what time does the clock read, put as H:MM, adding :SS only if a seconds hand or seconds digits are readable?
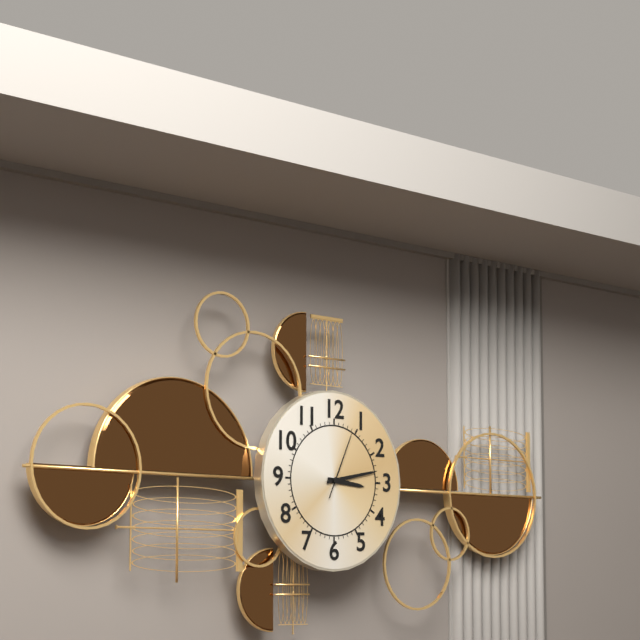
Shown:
3:13:04
